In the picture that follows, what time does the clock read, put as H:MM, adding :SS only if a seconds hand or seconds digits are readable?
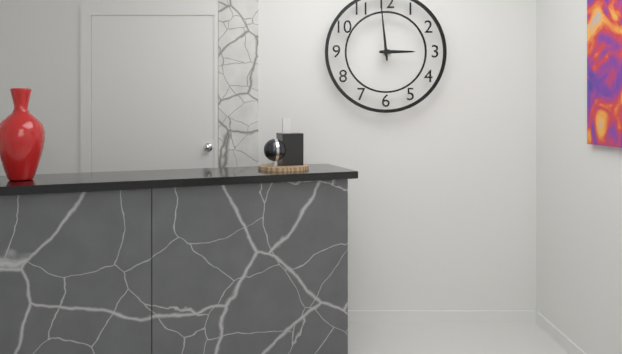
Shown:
2:59
